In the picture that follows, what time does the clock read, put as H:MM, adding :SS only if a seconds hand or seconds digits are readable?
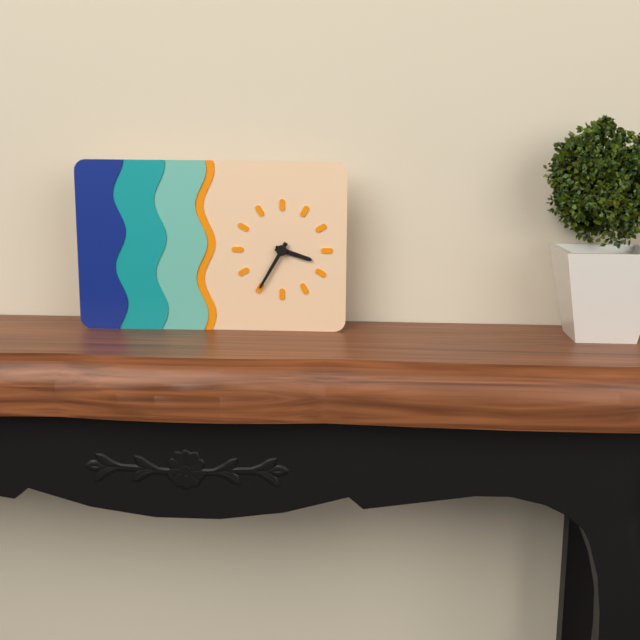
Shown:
3:35
